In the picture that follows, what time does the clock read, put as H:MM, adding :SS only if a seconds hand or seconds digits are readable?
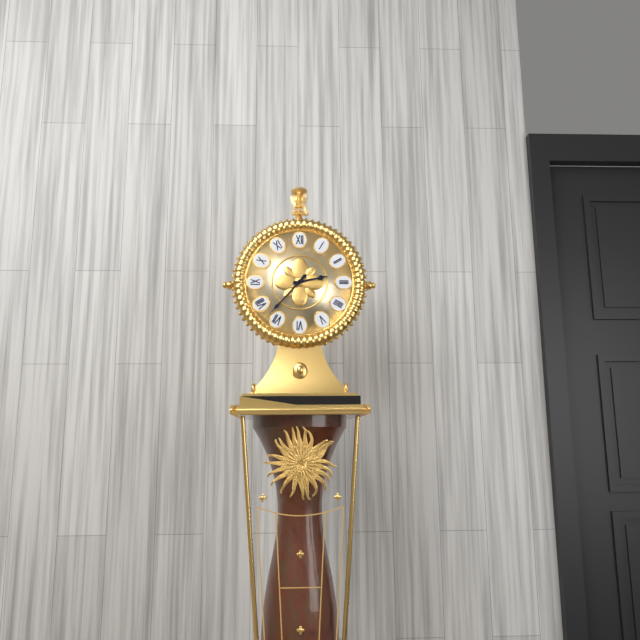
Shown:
2:37
